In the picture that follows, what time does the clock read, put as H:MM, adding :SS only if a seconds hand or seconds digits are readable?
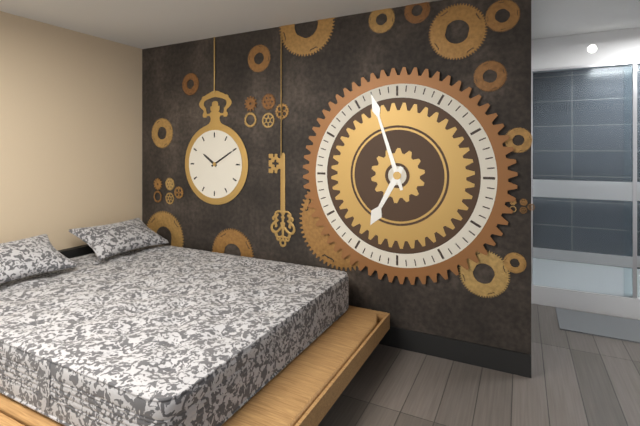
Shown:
6:57
